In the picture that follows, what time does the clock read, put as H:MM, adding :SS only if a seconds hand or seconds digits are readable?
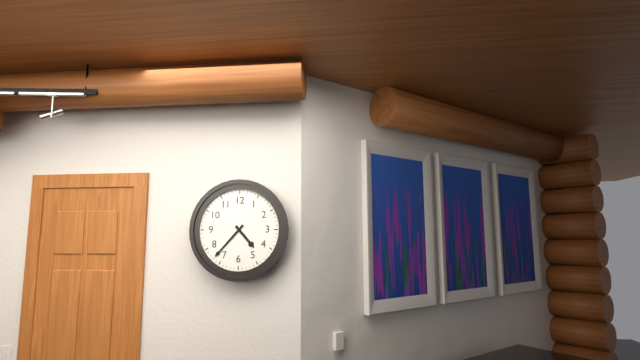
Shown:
4:37
